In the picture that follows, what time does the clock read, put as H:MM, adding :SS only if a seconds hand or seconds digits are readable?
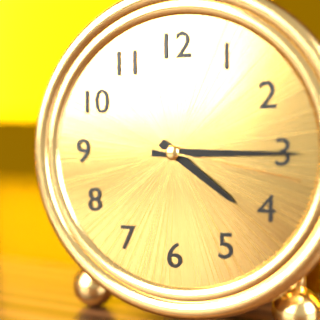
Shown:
4:15:17
